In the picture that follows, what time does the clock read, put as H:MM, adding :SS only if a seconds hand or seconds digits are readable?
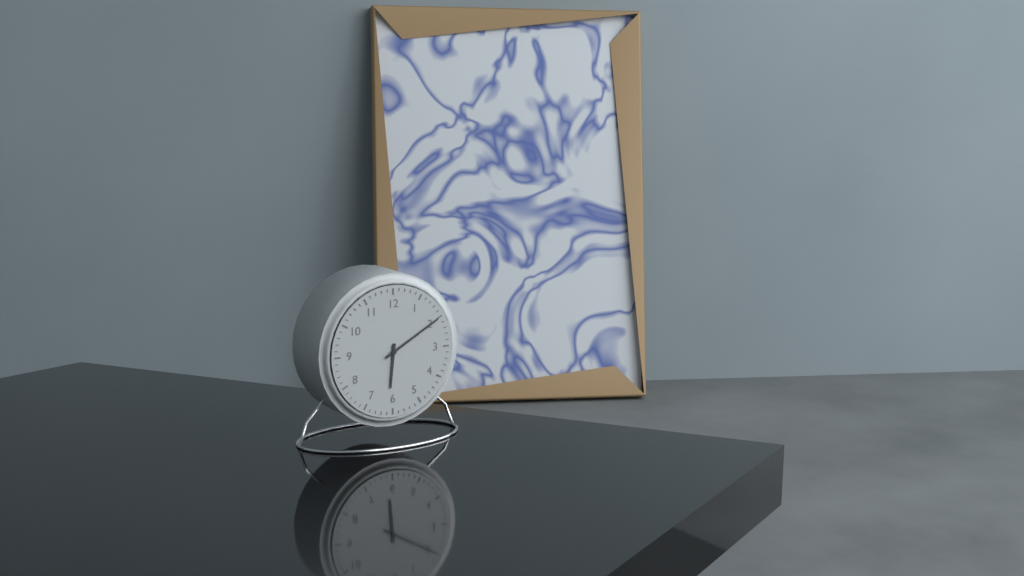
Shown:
6:10
